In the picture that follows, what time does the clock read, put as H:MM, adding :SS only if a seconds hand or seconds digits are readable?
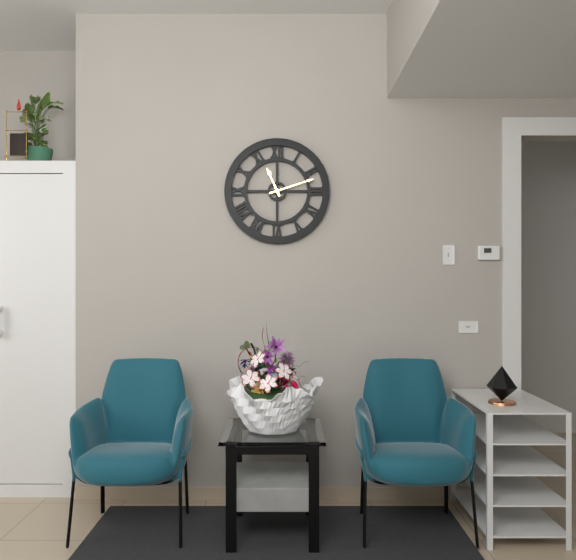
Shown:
11:12
